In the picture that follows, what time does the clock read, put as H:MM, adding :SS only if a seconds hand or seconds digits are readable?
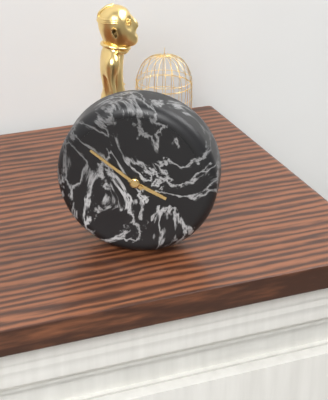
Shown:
3:51
